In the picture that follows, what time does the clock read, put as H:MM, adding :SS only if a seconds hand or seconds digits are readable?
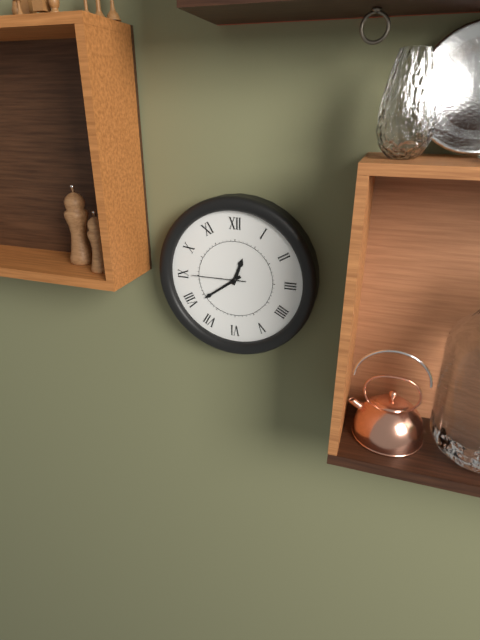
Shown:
12:39:45
